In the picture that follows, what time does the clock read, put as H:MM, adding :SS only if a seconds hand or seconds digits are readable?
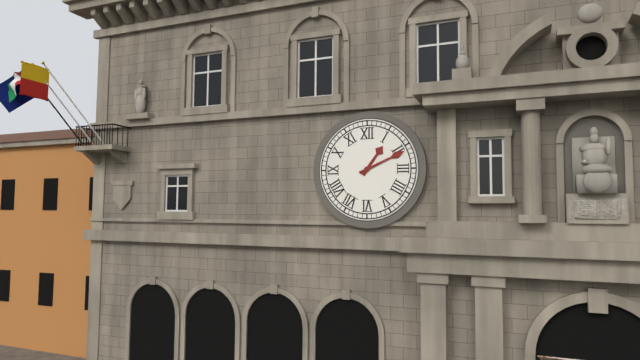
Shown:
1:11
